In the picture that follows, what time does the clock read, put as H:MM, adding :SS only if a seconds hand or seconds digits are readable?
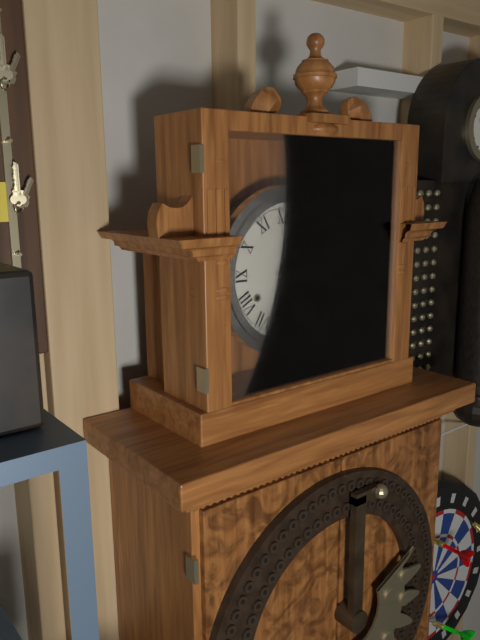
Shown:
5:13
